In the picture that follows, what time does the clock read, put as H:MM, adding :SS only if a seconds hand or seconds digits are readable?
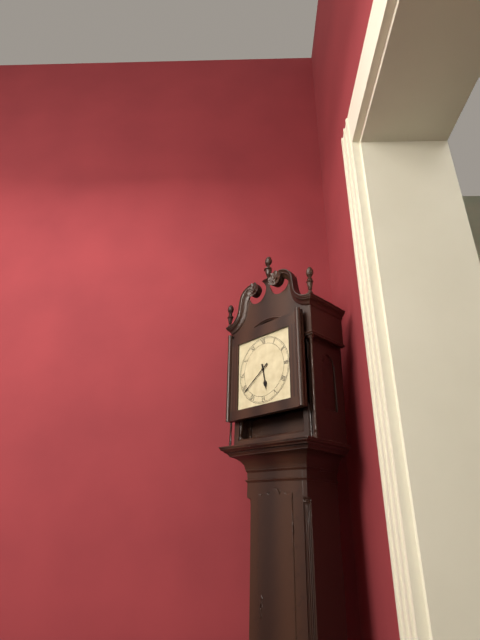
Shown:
5:39
